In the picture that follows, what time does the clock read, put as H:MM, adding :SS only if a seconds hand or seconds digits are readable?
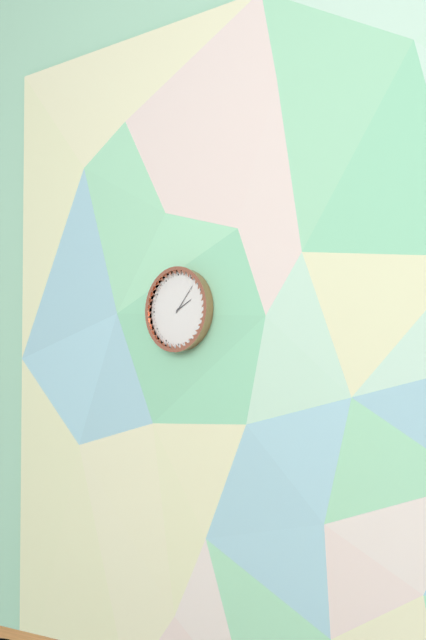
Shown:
2:07
